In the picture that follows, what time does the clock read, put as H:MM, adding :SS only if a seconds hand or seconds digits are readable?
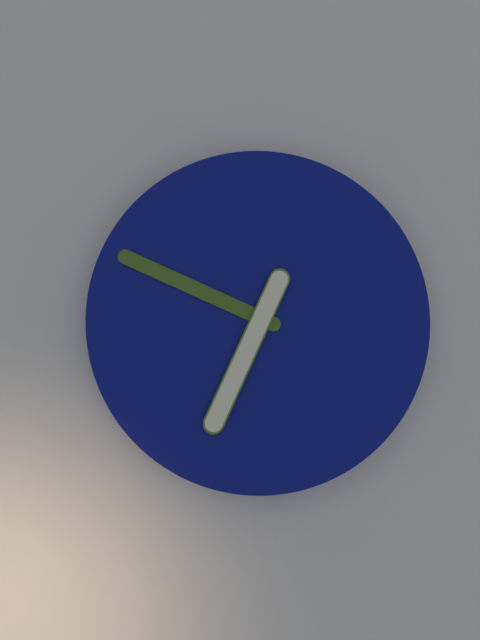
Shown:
6:49
